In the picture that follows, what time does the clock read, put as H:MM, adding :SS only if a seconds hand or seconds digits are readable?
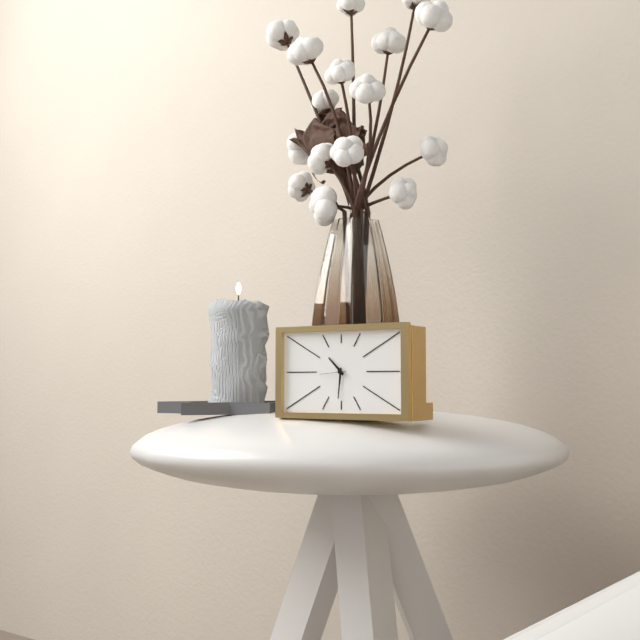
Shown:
10:31
